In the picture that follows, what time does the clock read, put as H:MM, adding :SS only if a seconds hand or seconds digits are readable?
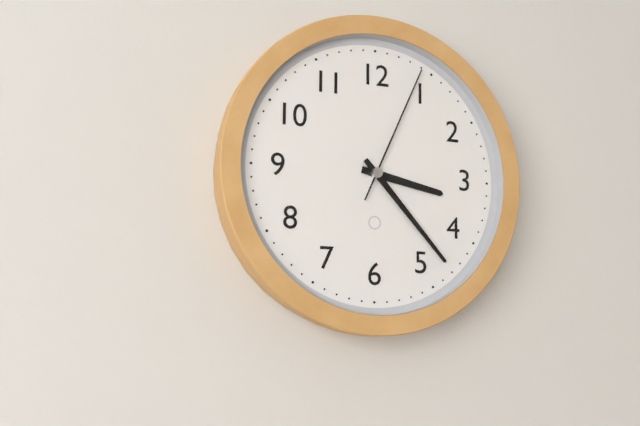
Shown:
3:23:04
